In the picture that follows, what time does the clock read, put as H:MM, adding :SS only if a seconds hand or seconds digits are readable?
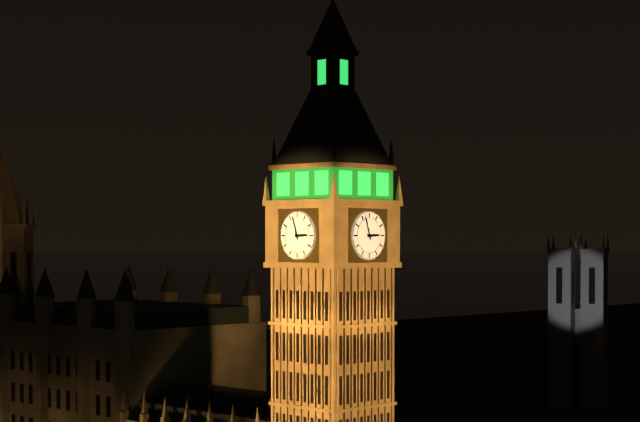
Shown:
2:57
